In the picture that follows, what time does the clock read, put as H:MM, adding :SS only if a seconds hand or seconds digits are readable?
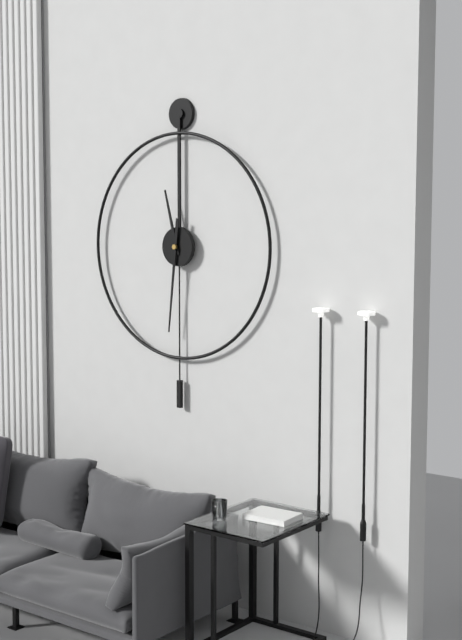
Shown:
11:31
